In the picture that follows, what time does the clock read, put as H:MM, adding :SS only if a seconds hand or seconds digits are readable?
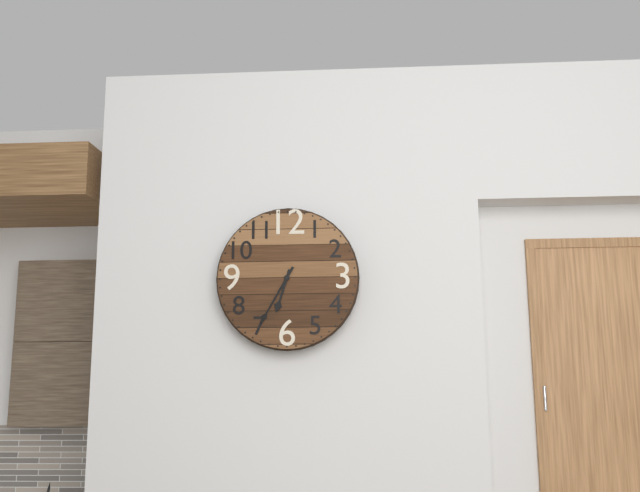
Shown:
6:35
